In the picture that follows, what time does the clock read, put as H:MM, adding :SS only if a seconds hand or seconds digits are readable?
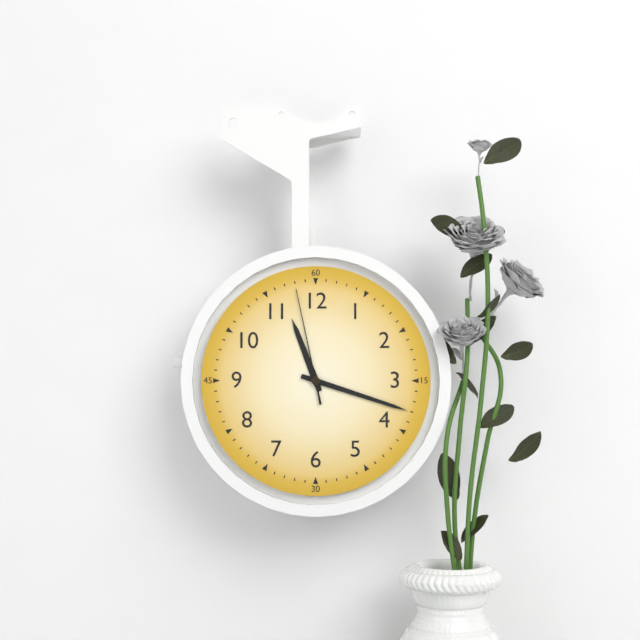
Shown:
11:18:58
